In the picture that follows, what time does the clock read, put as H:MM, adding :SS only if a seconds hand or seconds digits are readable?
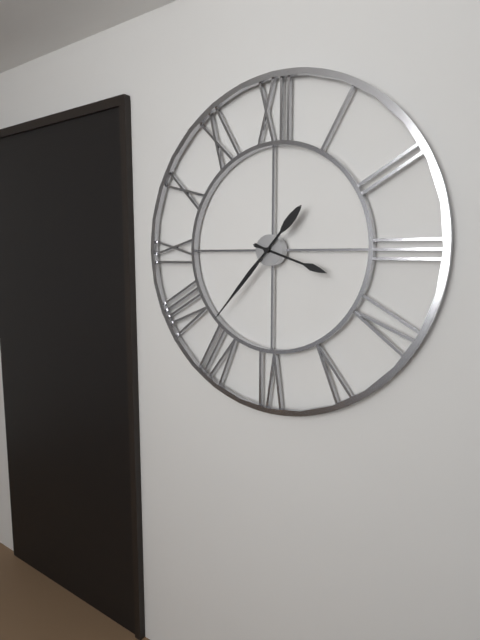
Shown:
3:37
